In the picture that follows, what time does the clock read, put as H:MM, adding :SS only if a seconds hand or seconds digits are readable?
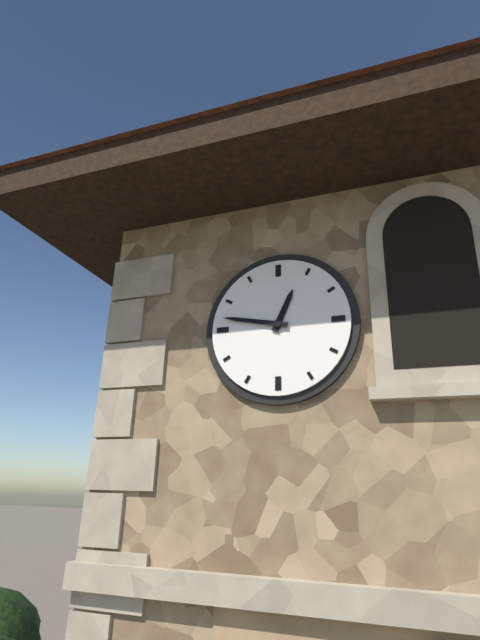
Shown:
12:47
